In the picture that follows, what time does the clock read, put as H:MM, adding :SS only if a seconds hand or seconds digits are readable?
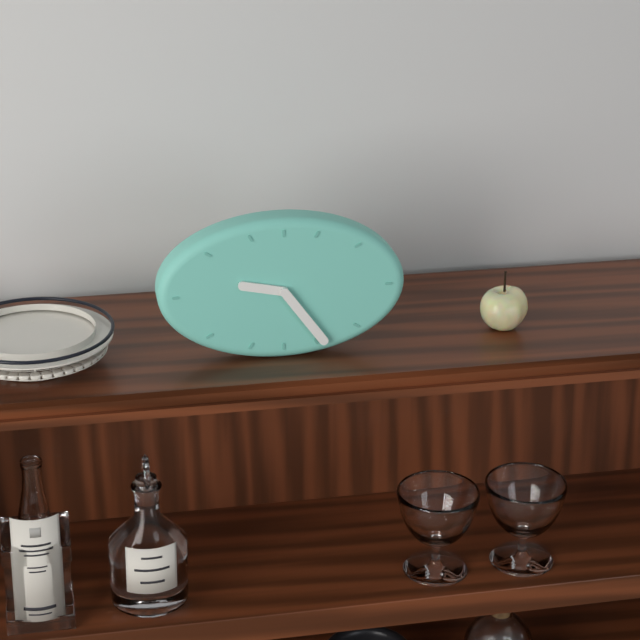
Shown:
9:24
